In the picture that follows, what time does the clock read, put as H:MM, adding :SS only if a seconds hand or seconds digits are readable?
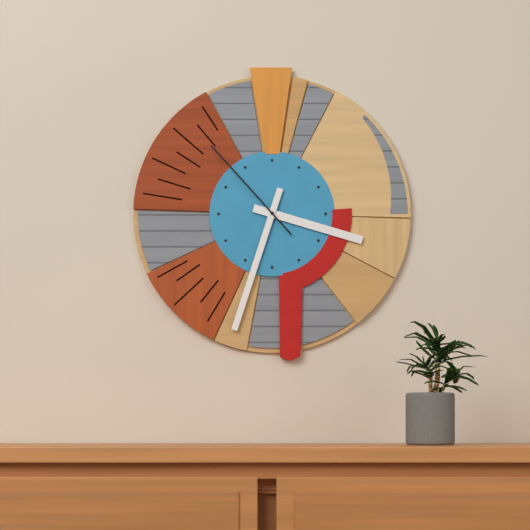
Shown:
3:33:53
